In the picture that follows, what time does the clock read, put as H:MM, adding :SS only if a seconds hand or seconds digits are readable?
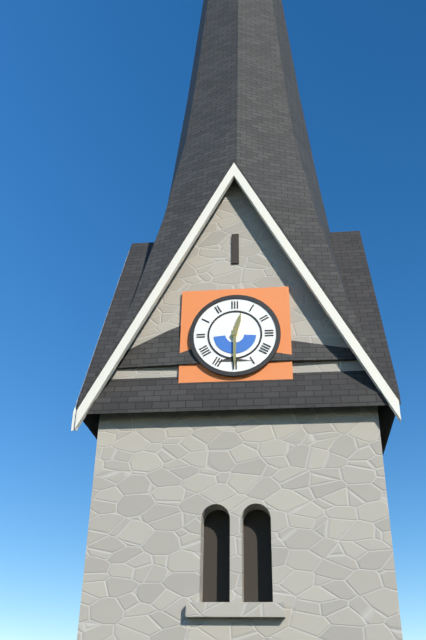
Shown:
12:30
